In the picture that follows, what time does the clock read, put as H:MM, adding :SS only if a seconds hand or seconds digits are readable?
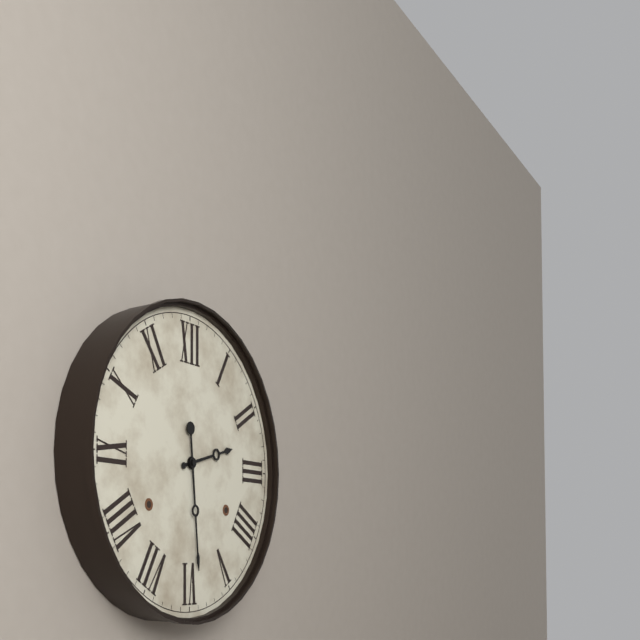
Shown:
2:29
